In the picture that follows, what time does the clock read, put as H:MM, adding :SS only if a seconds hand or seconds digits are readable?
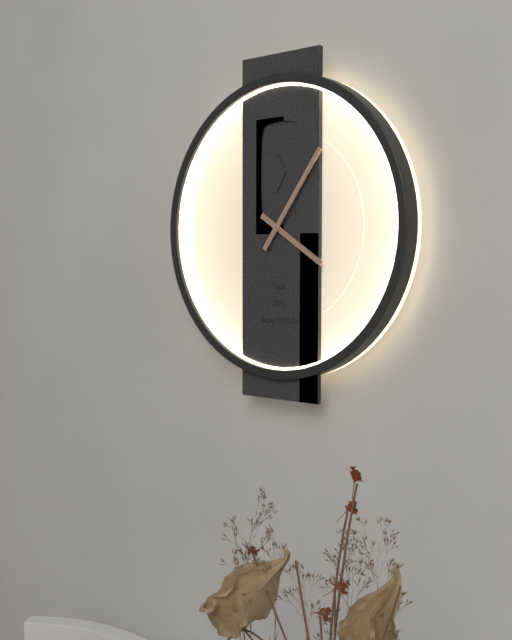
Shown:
4:06
